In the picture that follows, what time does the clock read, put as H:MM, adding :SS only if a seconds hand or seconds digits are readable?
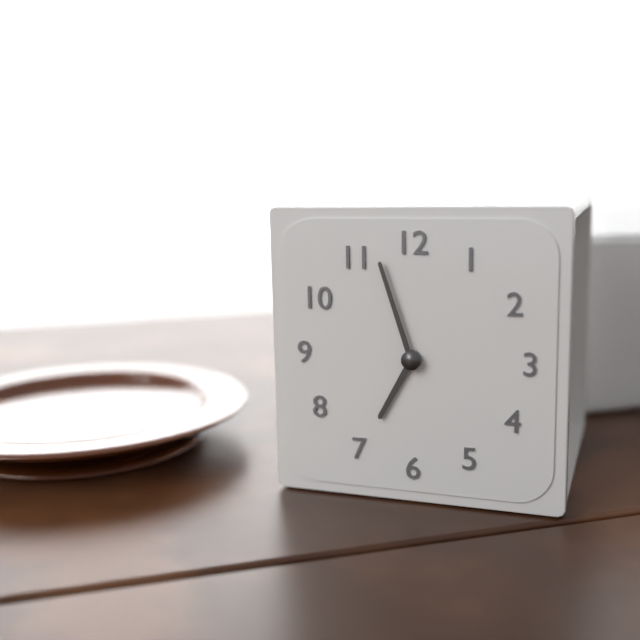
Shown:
6:57
